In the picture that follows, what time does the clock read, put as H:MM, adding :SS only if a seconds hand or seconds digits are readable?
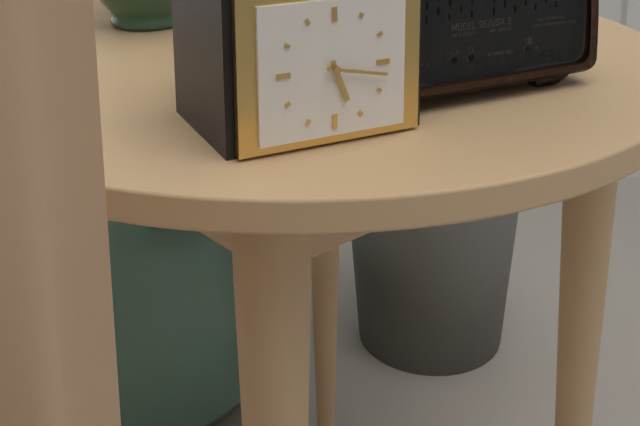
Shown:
5:17
